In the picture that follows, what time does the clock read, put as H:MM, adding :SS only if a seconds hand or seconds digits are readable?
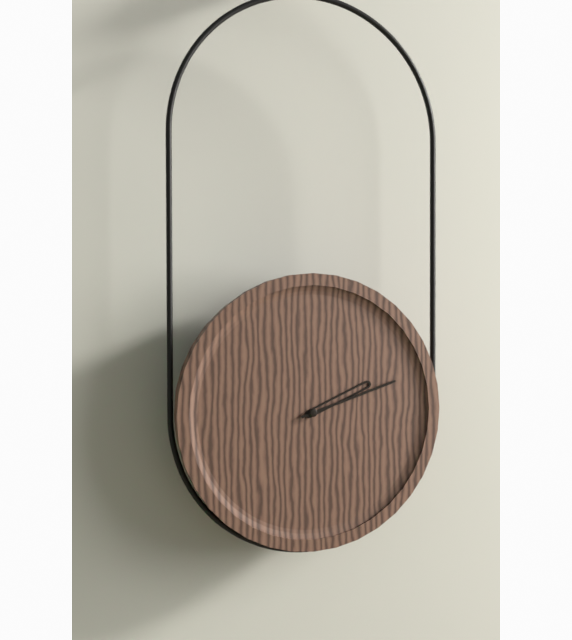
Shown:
2:12
